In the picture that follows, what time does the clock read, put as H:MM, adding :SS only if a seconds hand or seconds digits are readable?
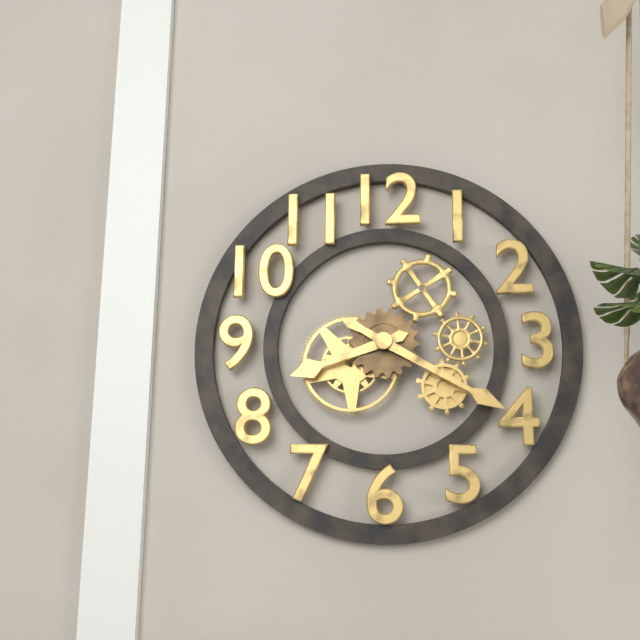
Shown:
8:20
